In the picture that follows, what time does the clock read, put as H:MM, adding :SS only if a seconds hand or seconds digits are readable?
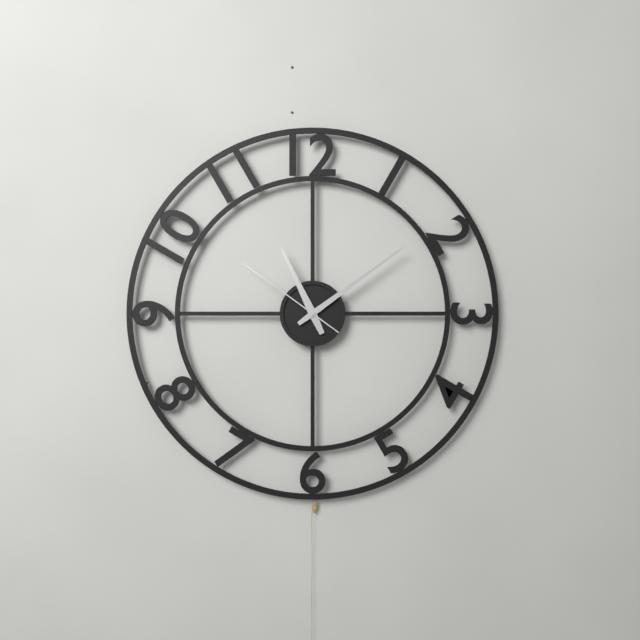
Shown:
11:09:51
